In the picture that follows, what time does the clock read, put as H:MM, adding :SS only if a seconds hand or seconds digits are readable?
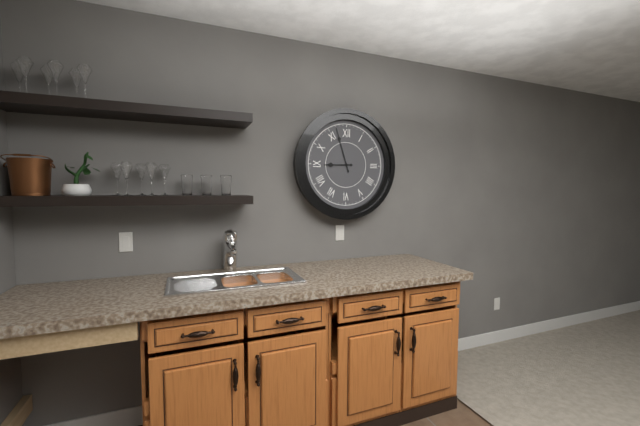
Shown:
8:57
